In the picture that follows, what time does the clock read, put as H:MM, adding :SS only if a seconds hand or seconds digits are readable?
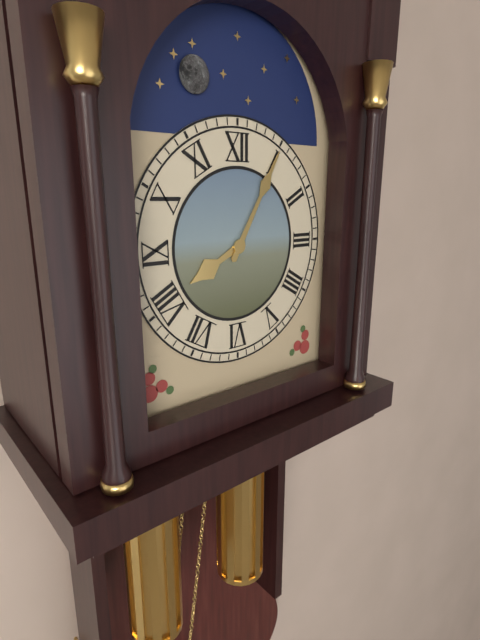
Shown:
8:05
